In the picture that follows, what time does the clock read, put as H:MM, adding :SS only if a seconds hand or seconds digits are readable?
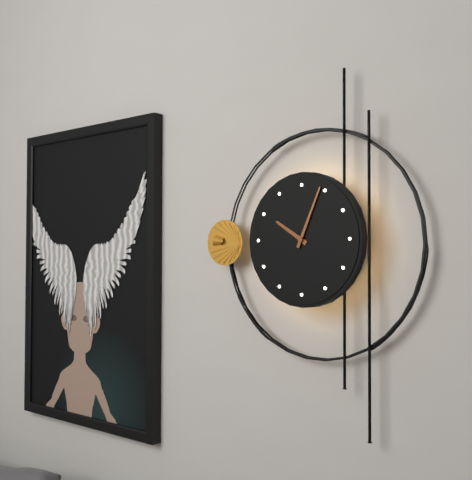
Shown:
10:04
